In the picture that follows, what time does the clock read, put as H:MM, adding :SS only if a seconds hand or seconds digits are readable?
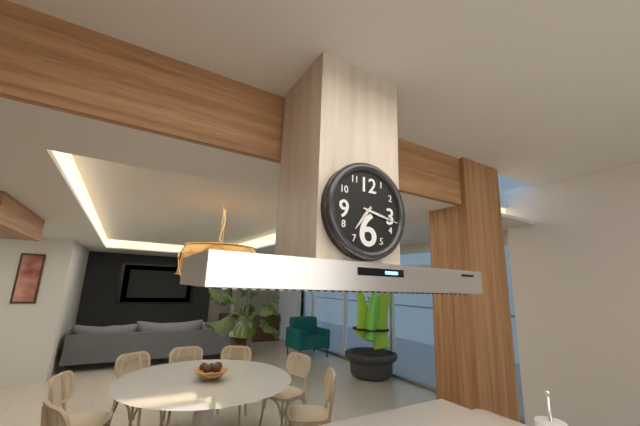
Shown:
7:17
